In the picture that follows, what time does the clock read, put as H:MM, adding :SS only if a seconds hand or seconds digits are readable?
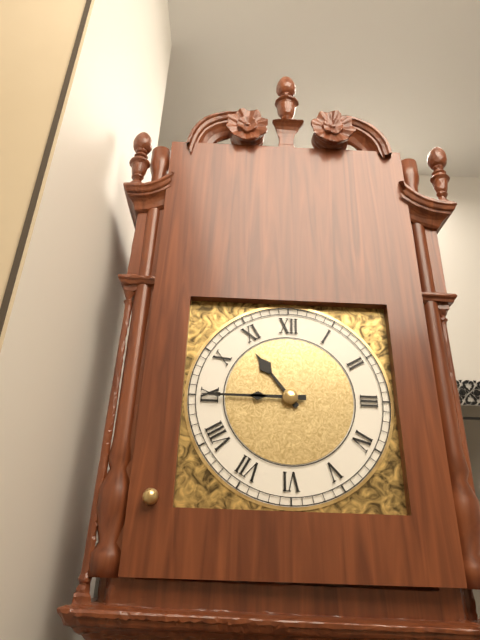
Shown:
10:45
